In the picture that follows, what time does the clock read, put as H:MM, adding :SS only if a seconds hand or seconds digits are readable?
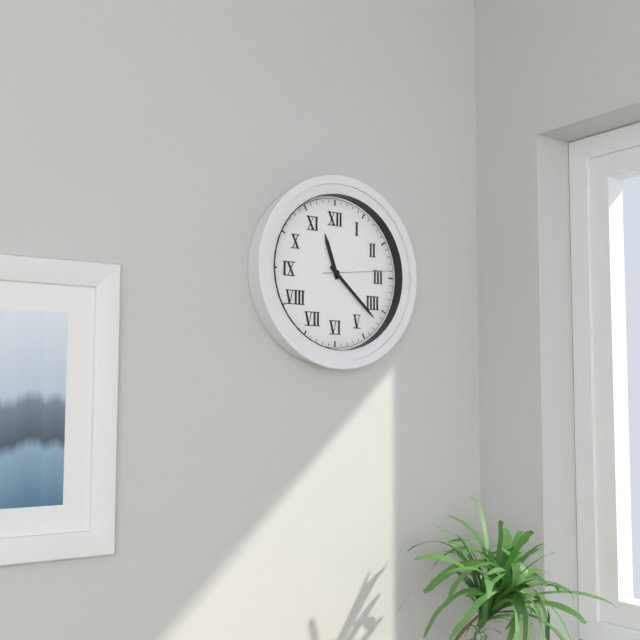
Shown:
11:22:14
